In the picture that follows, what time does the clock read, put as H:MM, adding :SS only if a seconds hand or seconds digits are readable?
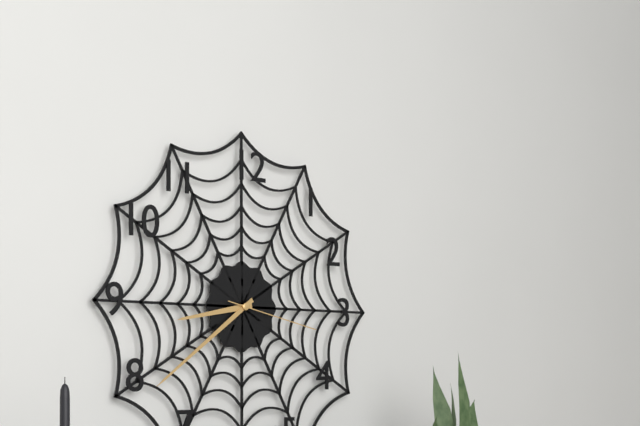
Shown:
8:39:17
